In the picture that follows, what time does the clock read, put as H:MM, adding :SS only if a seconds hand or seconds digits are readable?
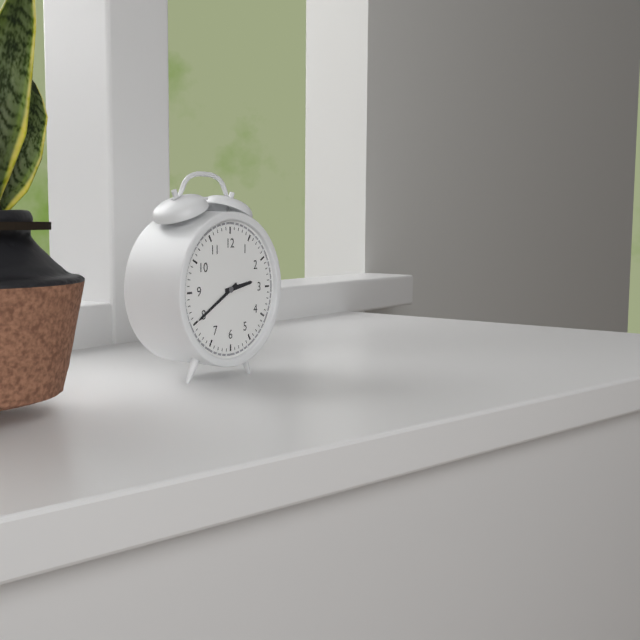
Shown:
2:40
